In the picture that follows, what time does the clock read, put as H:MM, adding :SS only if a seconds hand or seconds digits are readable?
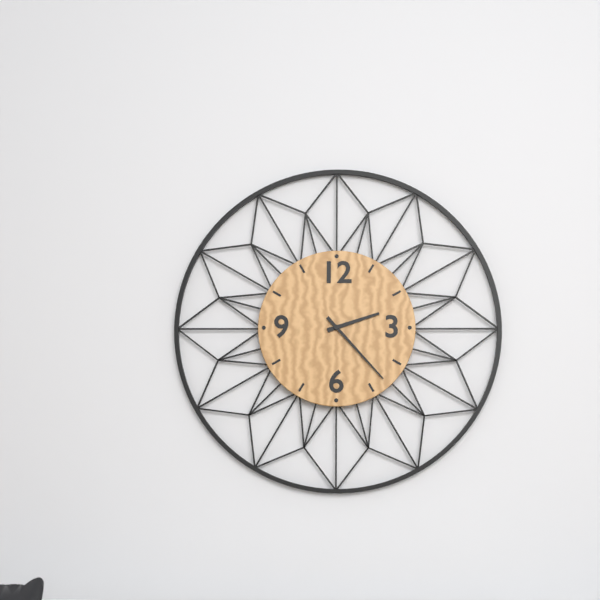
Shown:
2:23
